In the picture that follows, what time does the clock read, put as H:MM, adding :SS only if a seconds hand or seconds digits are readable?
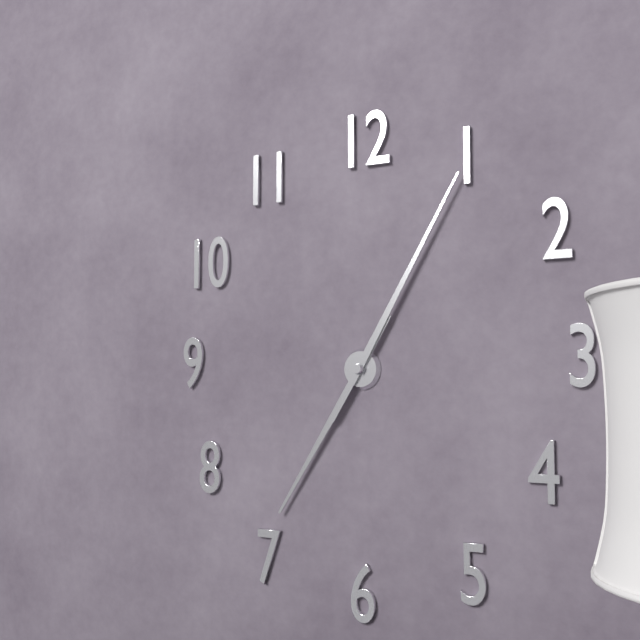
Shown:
7:05
